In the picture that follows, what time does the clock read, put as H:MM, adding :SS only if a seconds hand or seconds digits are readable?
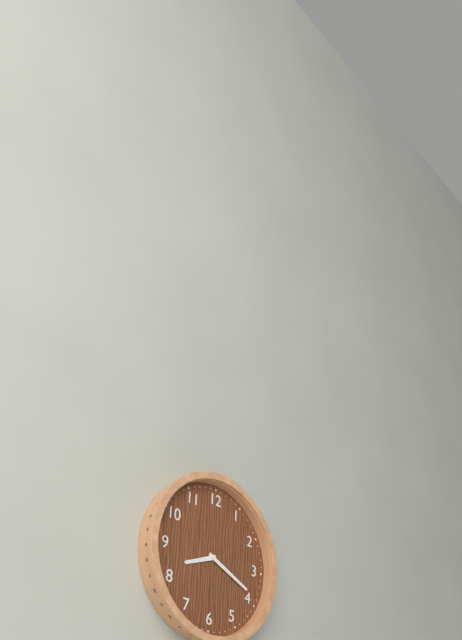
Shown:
8:19
